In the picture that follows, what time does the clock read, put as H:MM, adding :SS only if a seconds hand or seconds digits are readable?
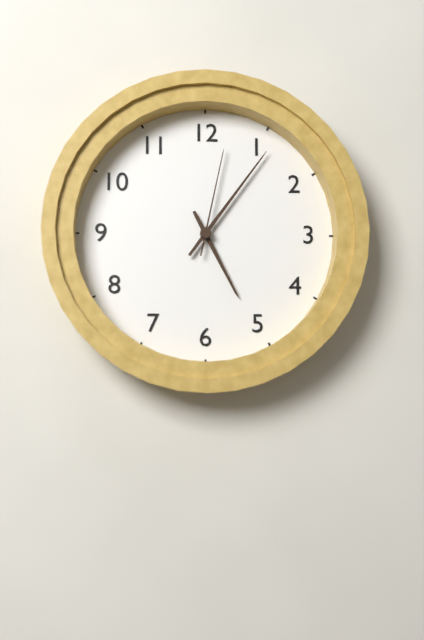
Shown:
5:06:02
